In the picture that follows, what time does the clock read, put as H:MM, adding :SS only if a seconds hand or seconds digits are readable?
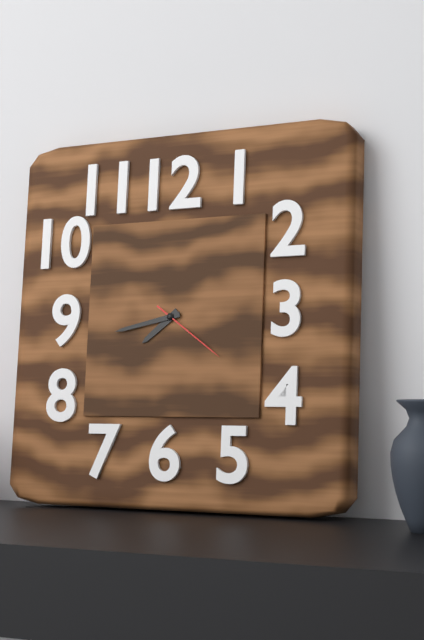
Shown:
7:43:21
